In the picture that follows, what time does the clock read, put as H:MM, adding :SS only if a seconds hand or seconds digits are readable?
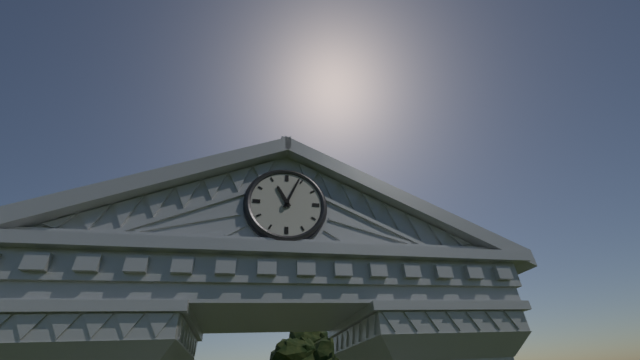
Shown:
11:04
